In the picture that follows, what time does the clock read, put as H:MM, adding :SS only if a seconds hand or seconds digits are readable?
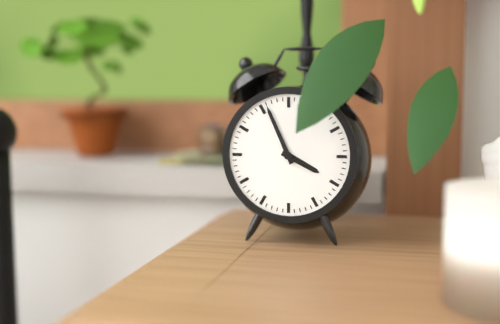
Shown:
3:56
